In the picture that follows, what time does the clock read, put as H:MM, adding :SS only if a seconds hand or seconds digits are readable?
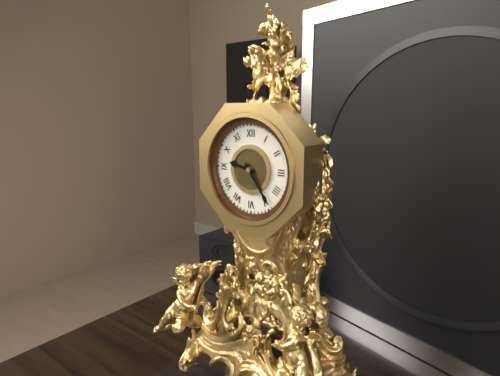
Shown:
9:24
